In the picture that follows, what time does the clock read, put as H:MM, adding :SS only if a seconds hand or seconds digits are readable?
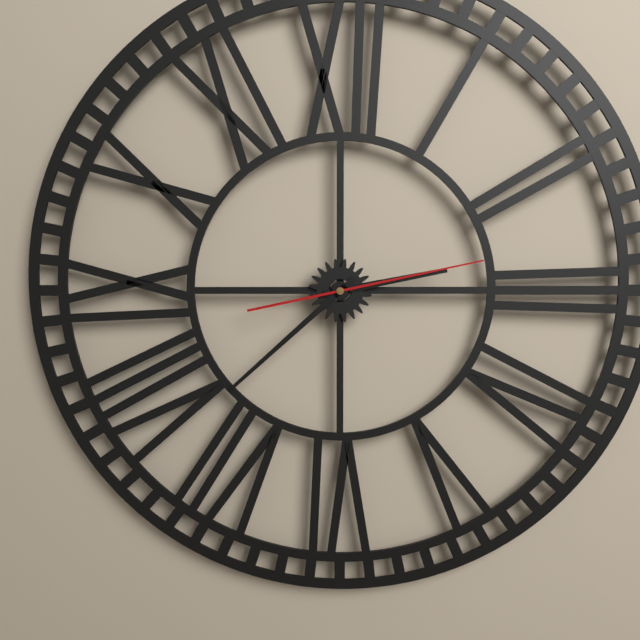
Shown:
2:38:13
